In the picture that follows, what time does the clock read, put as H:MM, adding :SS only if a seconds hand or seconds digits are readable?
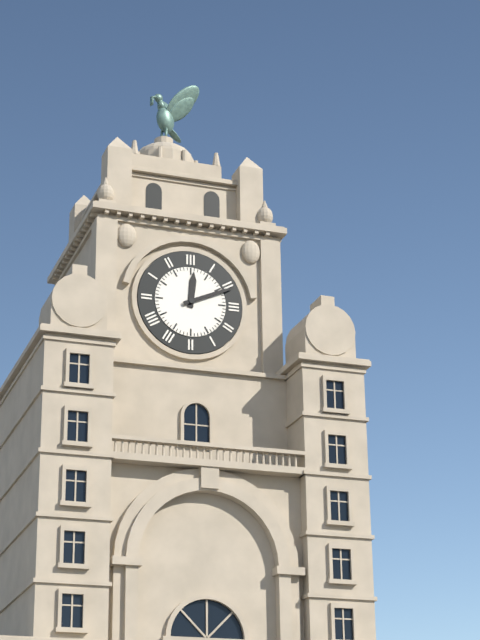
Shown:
12:11
